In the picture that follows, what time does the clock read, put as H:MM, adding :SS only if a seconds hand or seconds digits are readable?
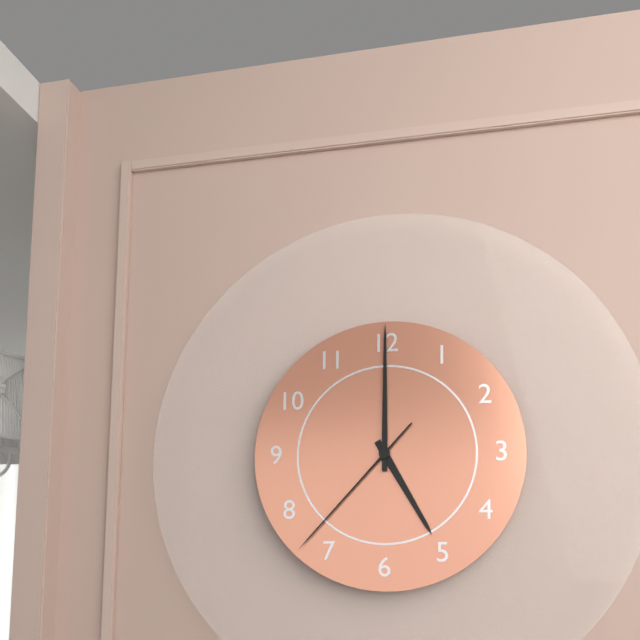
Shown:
5:00:37
